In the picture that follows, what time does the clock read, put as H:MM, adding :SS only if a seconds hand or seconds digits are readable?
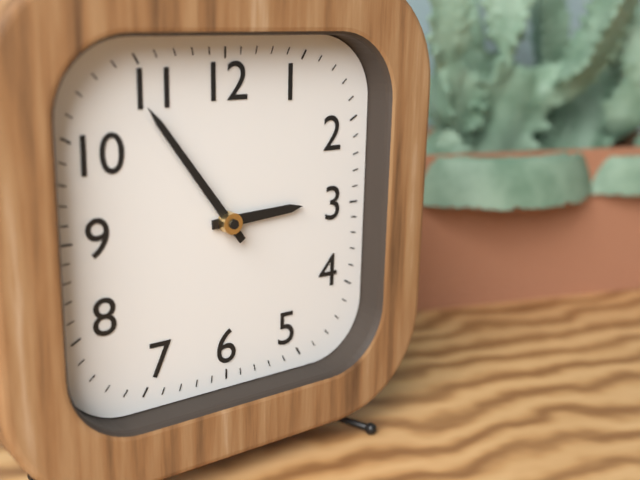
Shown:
2:54
